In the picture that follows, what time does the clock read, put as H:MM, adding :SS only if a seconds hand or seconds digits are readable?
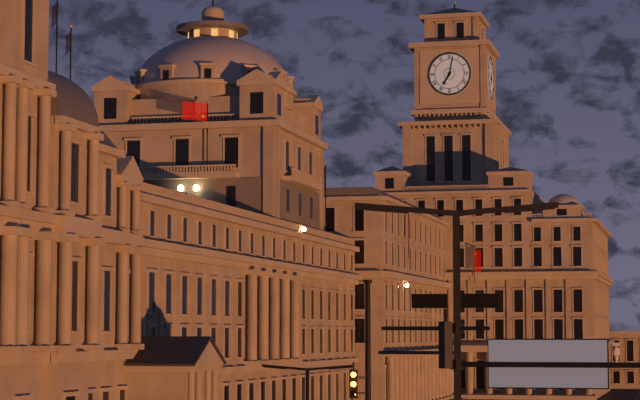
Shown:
7:02
